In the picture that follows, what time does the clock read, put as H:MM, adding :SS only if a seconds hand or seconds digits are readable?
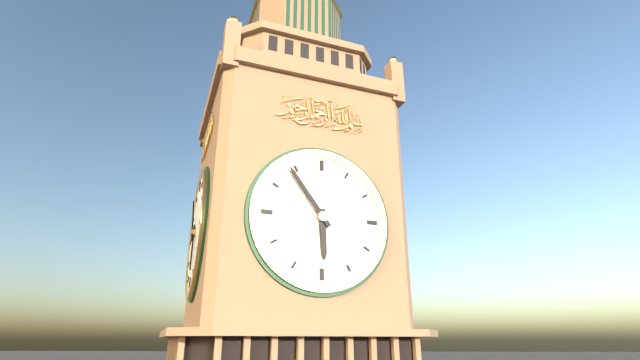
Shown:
5:54
